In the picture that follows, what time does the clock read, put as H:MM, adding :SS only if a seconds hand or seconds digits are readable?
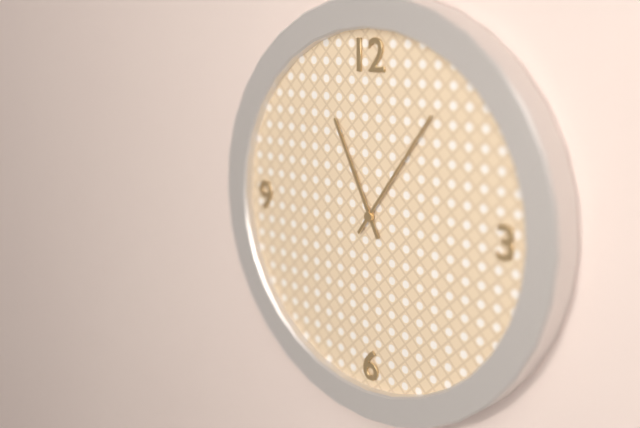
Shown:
11:06
